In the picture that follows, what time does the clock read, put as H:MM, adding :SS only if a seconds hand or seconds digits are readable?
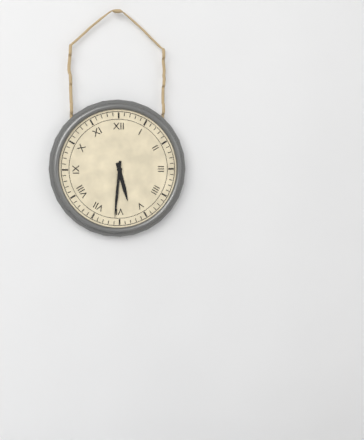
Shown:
5:31
